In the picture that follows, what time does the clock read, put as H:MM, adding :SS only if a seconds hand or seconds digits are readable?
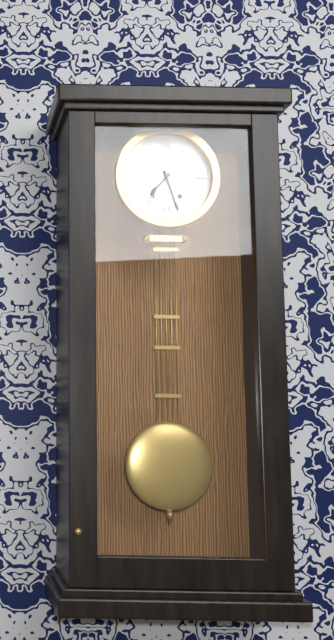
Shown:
7:27
